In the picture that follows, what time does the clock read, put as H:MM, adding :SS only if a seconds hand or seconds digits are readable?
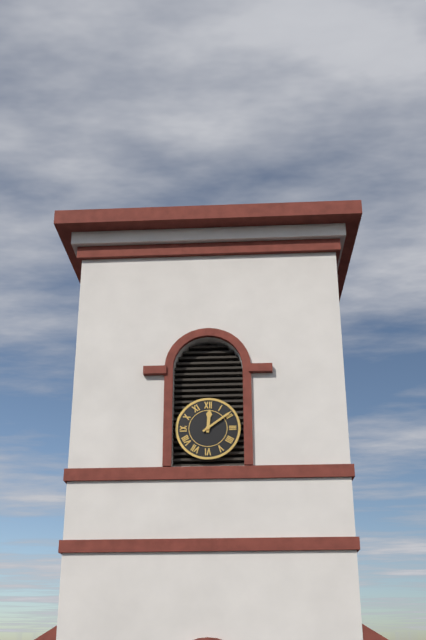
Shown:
12:09
